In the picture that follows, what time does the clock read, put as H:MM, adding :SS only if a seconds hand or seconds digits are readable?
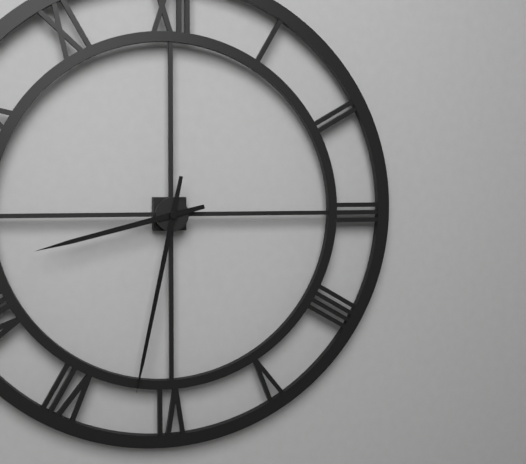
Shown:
8:32
